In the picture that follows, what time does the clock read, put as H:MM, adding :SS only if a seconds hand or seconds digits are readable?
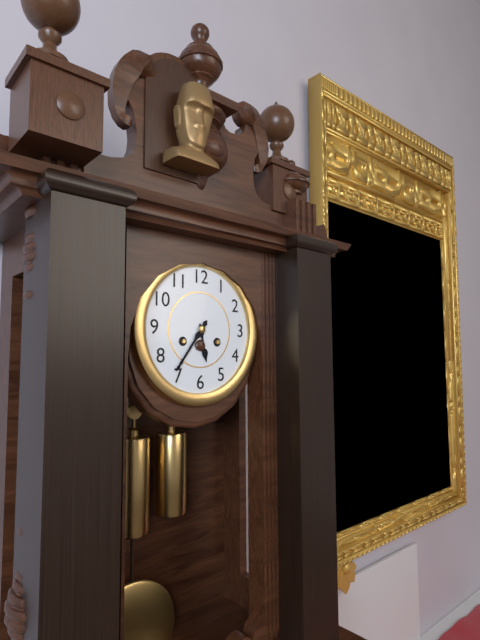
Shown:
5:36
